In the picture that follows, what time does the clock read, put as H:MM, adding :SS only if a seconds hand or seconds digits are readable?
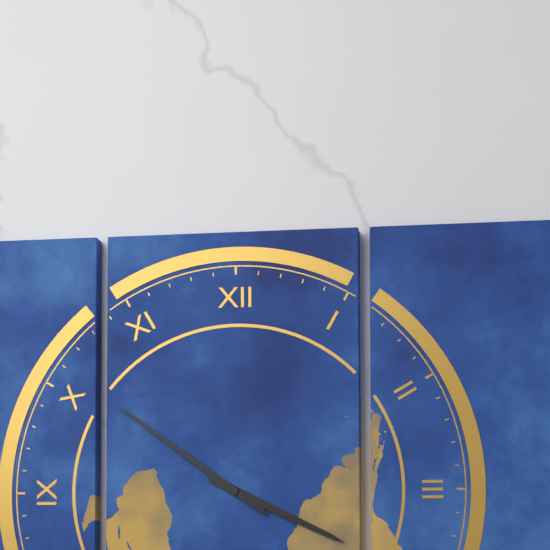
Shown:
3:51
